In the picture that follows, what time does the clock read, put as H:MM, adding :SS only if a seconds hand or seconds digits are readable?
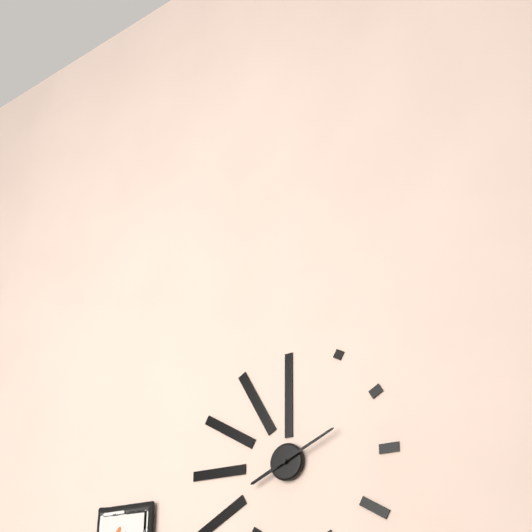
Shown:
8:11
